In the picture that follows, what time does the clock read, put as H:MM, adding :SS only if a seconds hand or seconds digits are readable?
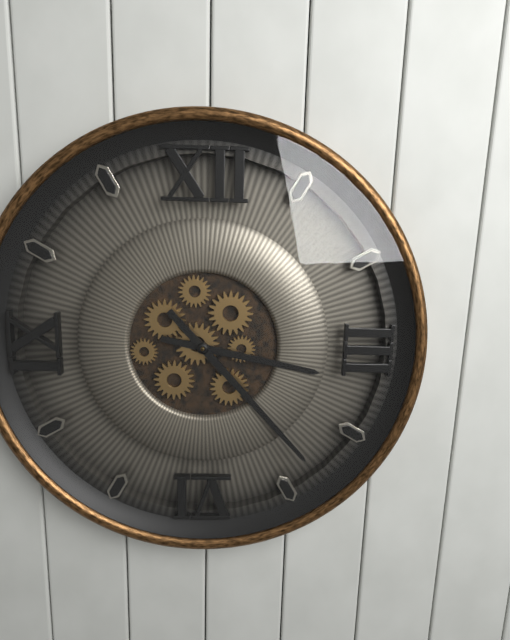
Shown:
3:23
